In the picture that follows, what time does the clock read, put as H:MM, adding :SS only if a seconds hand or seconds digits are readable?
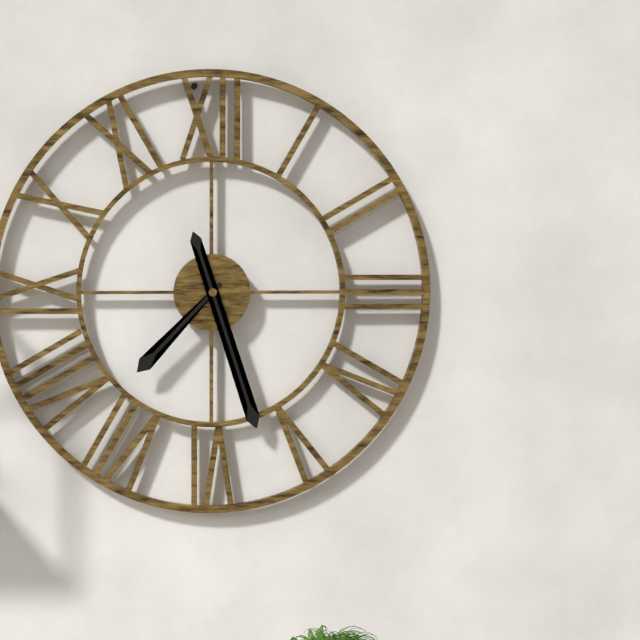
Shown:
7:27
